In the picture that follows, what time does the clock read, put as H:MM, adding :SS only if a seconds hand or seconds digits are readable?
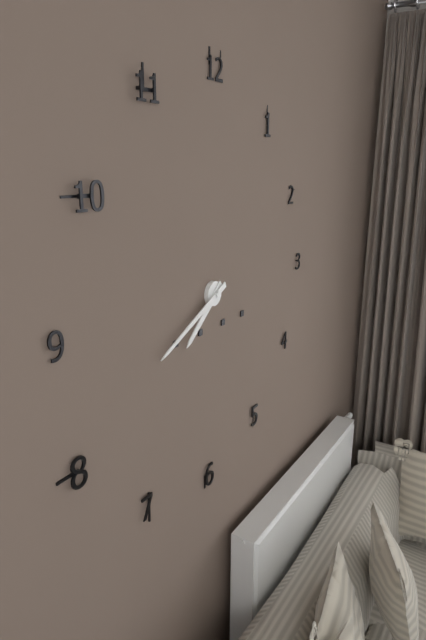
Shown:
7:41
